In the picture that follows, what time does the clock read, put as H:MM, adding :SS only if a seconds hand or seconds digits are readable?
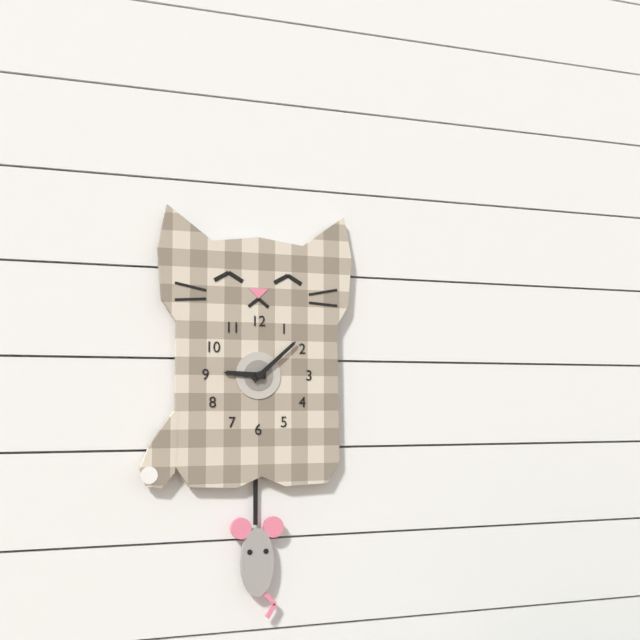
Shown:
9:08
